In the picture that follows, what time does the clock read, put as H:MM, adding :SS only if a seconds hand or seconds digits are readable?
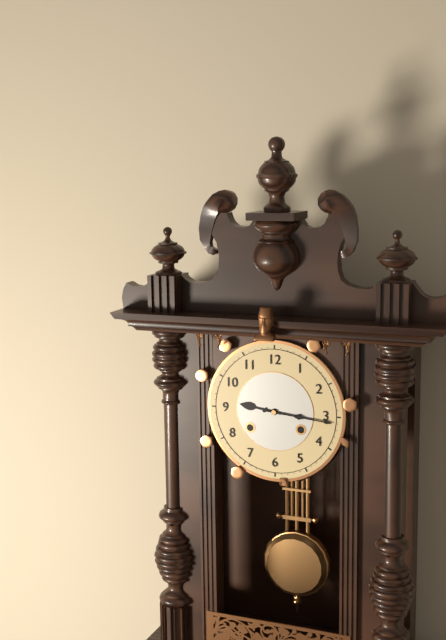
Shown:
9:16
